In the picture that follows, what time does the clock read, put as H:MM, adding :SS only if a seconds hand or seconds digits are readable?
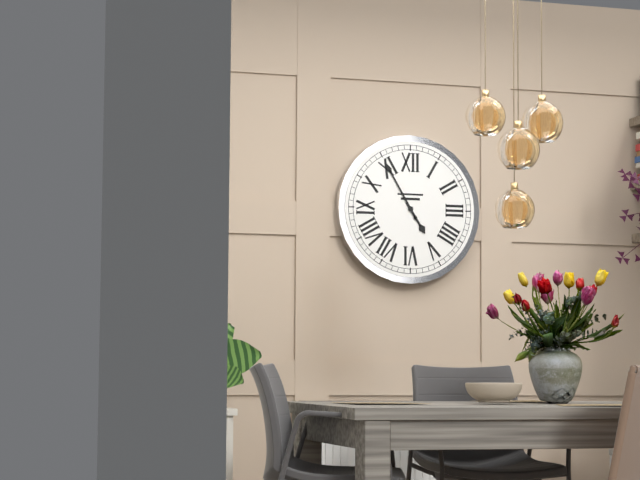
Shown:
4:55
